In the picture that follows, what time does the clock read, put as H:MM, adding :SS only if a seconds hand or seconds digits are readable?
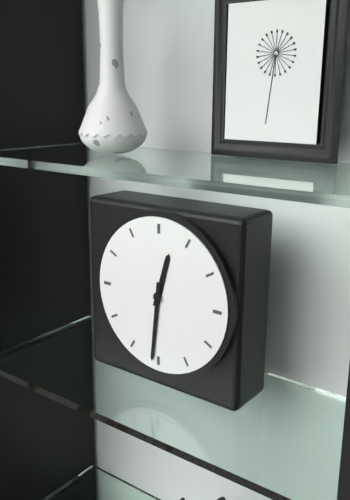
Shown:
12:31
